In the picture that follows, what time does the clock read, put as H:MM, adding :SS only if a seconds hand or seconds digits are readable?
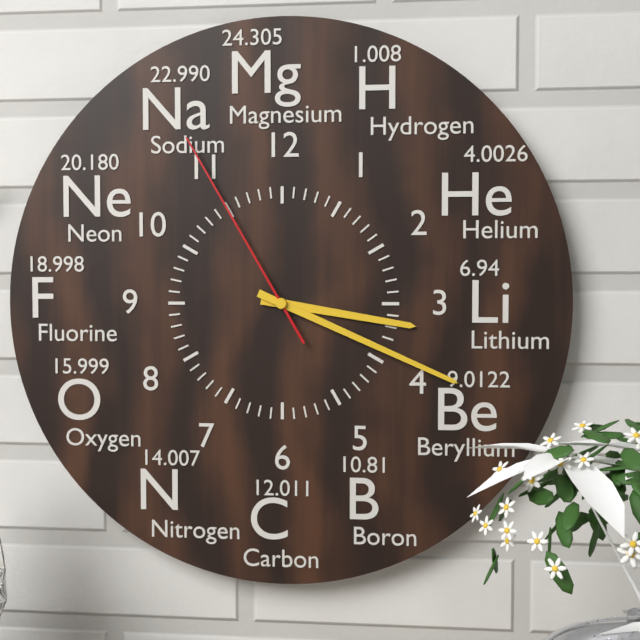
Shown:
3:19:55
